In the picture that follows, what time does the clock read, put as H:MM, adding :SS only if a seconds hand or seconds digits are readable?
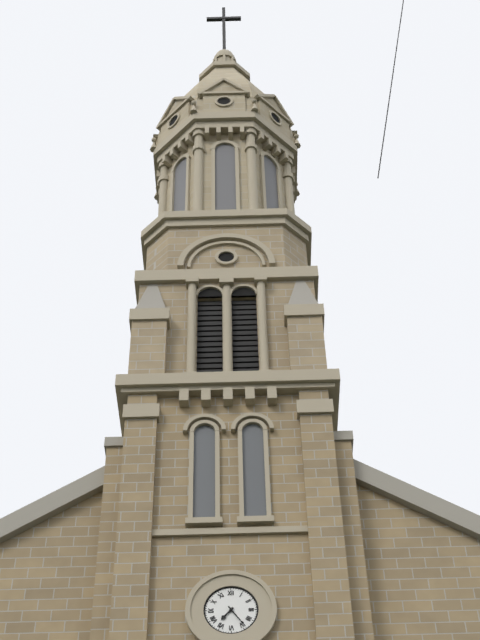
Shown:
7:24
